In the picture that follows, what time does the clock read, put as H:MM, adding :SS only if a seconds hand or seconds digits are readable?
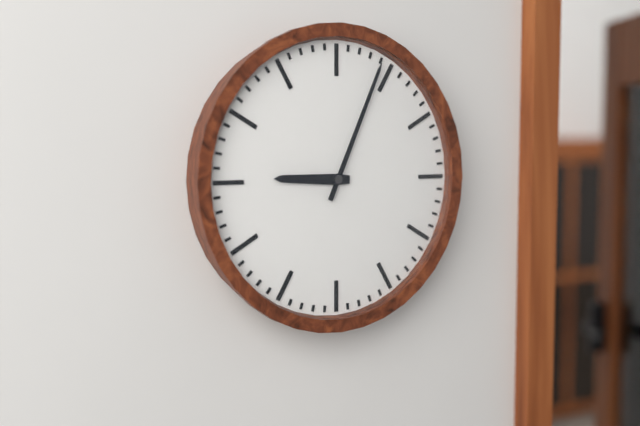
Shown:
9:04
